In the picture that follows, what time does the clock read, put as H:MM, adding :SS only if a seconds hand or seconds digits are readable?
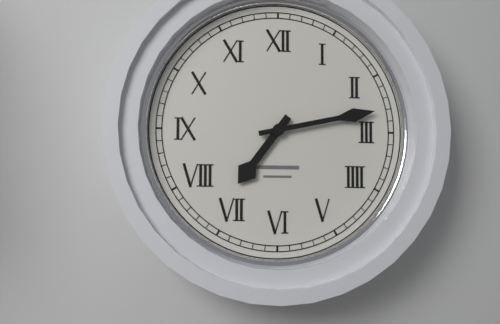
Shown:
7:13
